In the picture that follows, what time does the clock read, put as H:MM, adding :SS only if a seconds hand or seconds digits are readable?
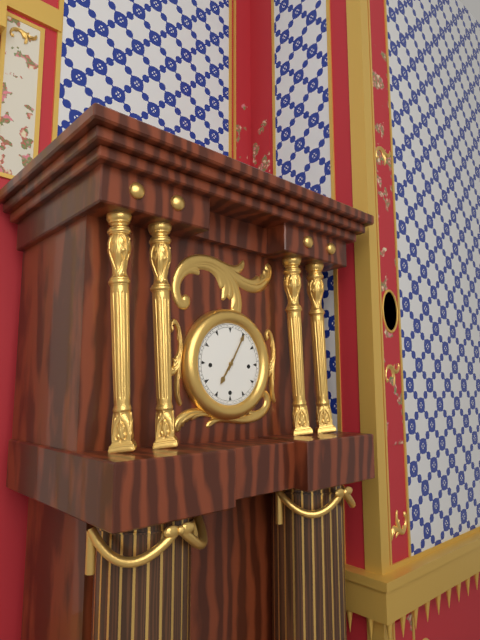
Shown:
7:05
